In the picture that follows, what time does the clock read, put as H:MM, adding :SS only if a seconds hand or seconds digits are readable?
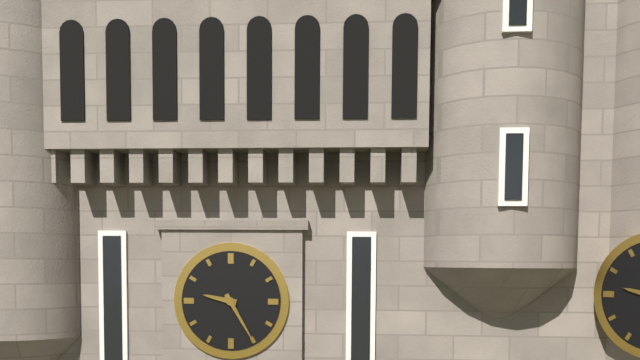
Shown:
9:25
